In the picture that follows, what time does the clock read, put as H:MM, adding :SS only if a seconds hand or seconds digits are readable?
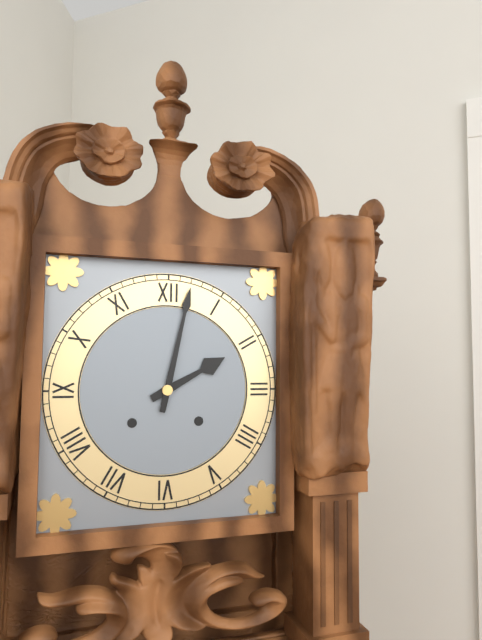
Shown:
2:02
